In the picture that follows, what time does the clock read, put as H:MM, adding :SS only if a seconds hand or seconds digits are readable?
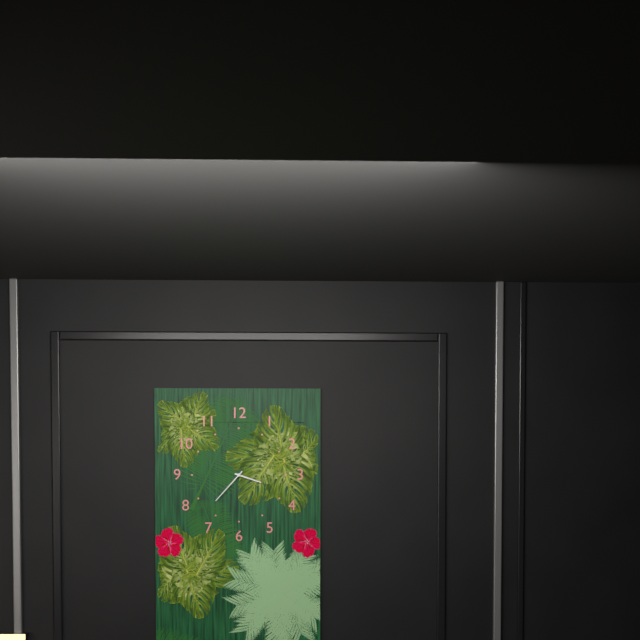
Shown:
3:37
